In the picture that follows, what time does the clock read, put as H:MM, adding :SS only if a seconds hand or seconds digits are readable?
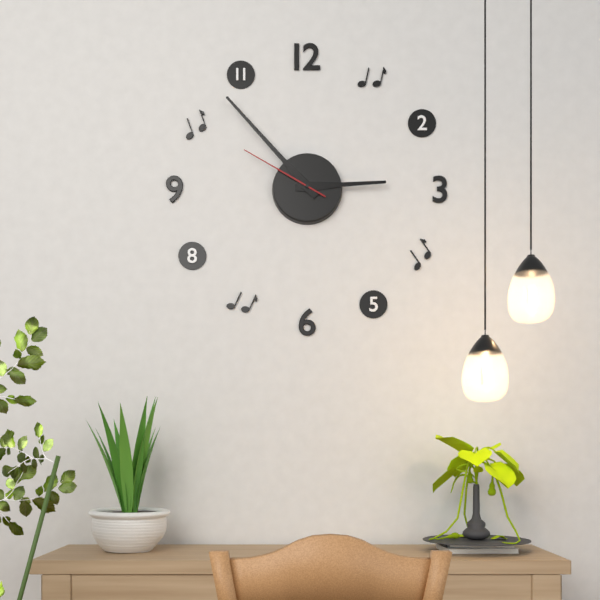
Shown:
2:53:50
